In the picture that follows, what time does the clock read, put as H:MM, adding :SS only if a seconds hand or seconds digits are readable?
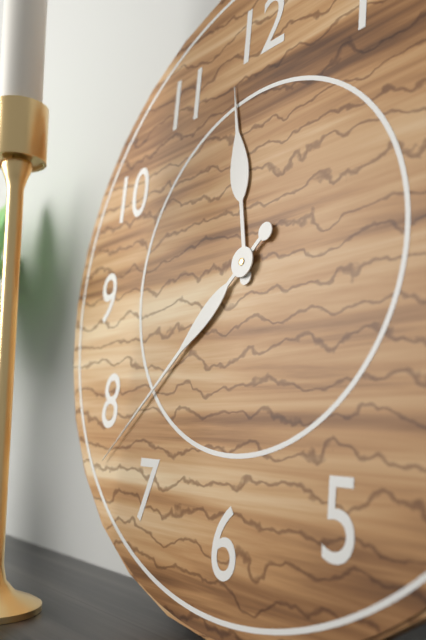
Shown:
11:38
